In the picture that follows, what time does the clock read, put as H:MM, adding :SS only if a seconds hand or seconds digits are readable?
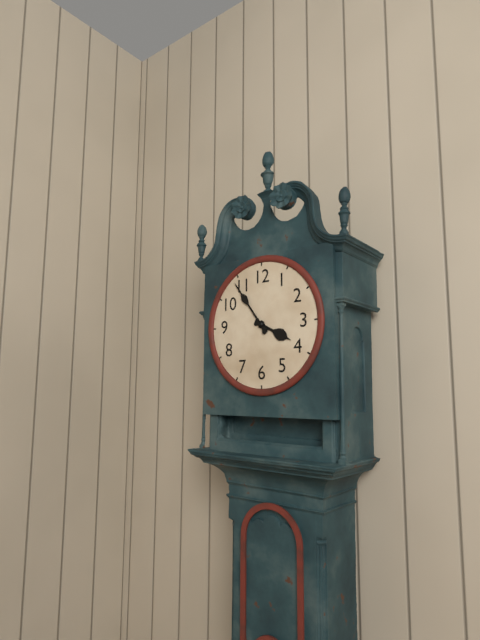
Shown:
3:54
